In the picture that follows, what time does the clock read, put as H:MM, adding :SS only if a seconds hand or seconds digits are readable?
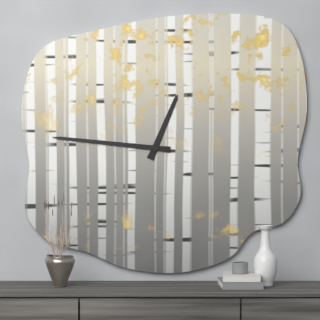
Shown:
12:46
